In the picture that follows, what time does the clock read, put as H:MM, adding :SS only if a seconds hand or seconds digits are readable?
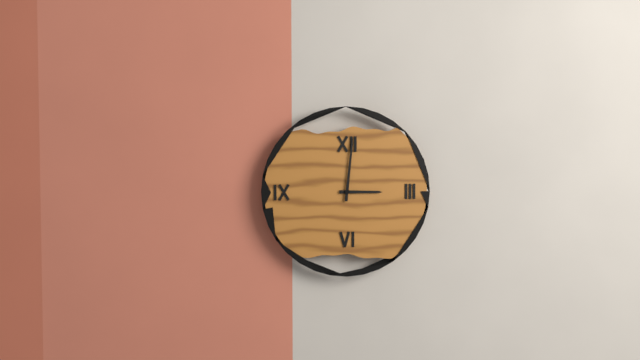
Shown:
3:01
